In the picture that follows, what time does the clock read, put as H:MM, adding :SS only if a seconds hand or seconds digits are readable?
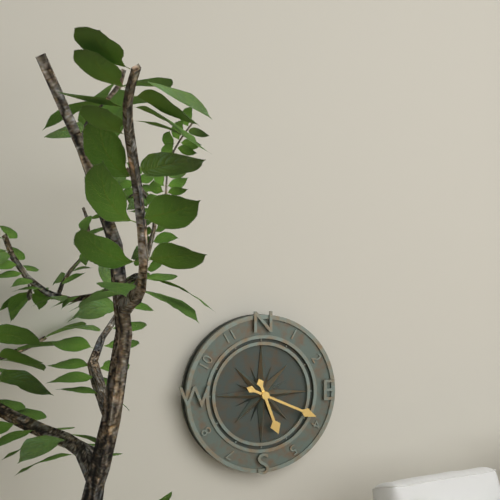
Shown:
5:19
